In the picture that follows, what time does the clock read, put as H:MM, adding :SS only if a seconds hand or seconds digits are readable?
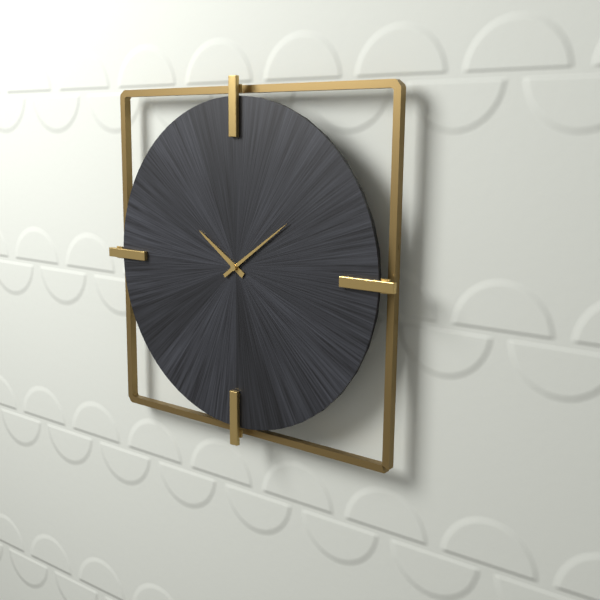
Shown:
10:09
